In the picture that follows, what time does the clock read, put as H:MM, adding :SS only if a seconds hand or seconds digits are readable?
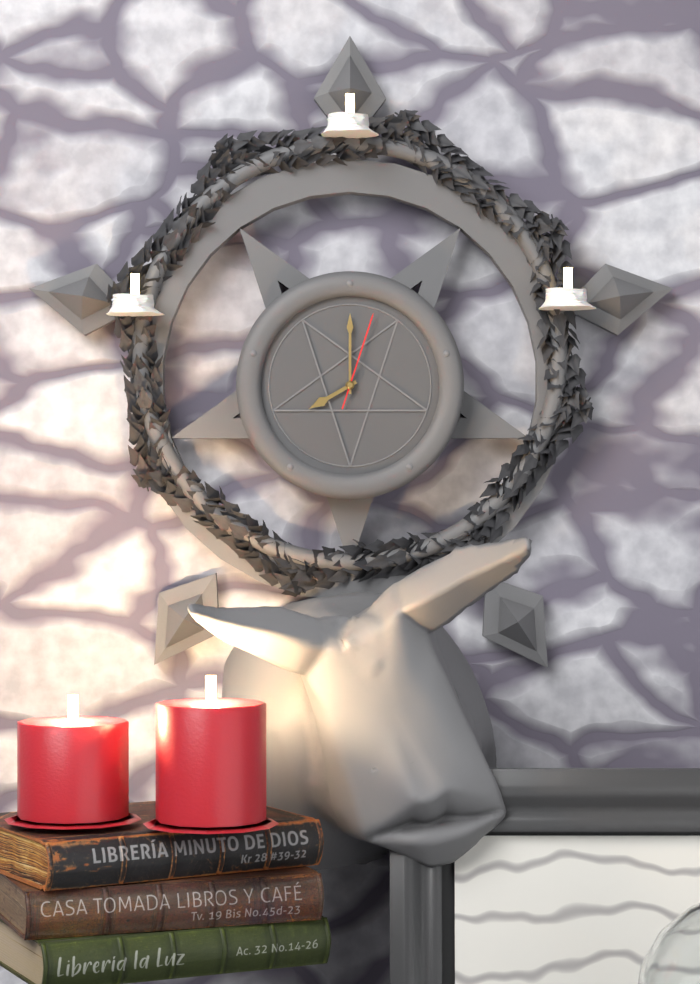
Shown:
8:00:03
